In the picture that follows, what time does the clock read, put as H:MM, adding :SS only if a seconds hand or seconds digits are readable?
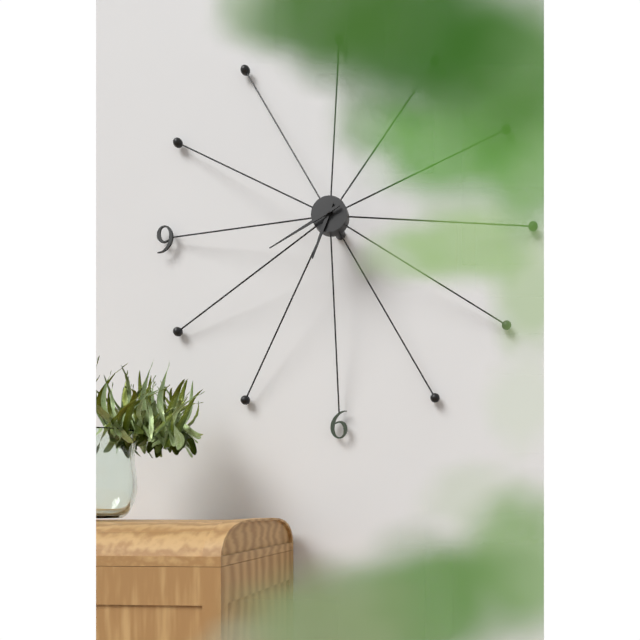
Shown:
6:40
